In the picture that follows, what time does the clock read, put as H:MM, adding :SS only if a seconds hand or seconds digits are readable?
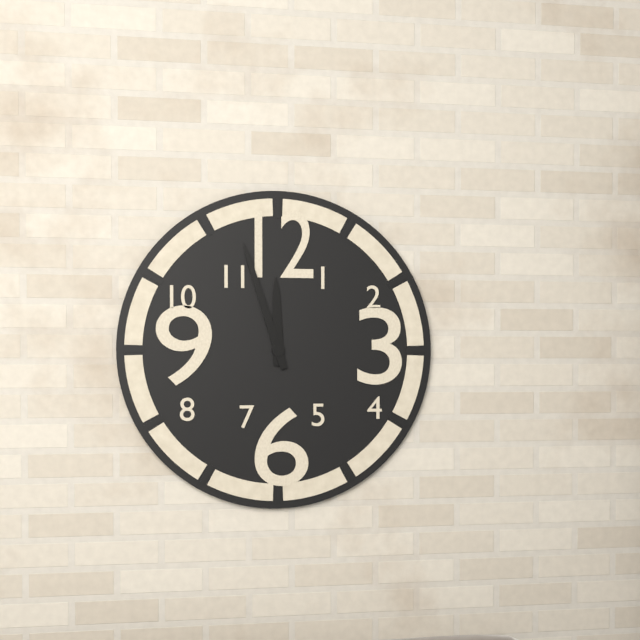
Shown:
11:57
